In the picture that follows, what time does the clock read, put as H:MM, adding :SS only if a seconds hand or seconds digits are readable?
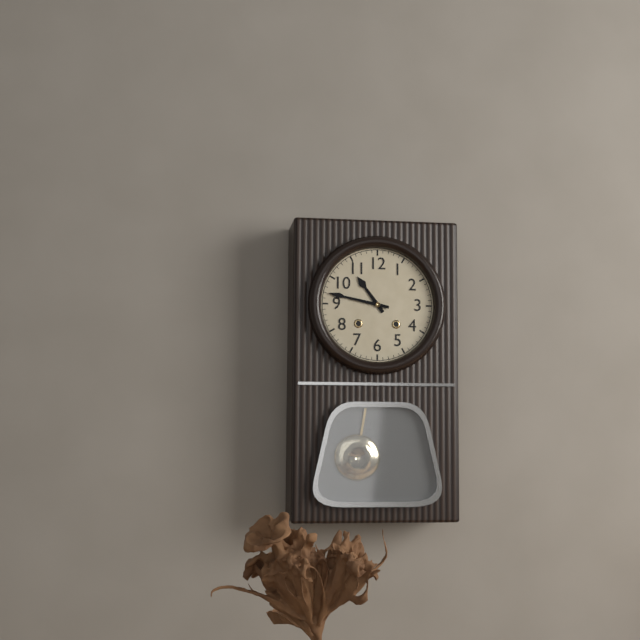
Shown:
10:47
